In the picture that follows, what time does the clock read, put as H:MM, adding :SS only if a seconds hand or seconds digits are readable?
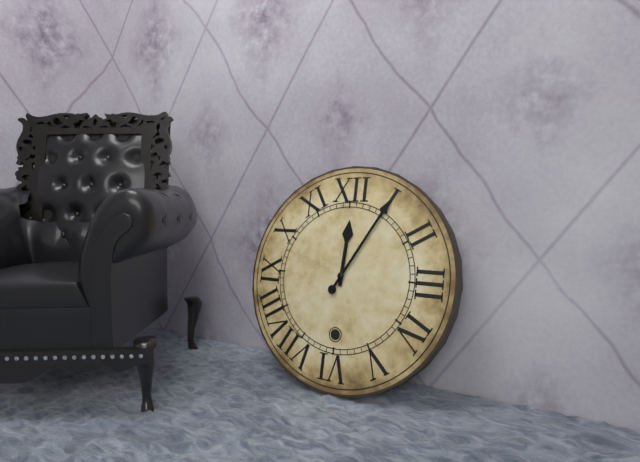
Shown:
12:05
